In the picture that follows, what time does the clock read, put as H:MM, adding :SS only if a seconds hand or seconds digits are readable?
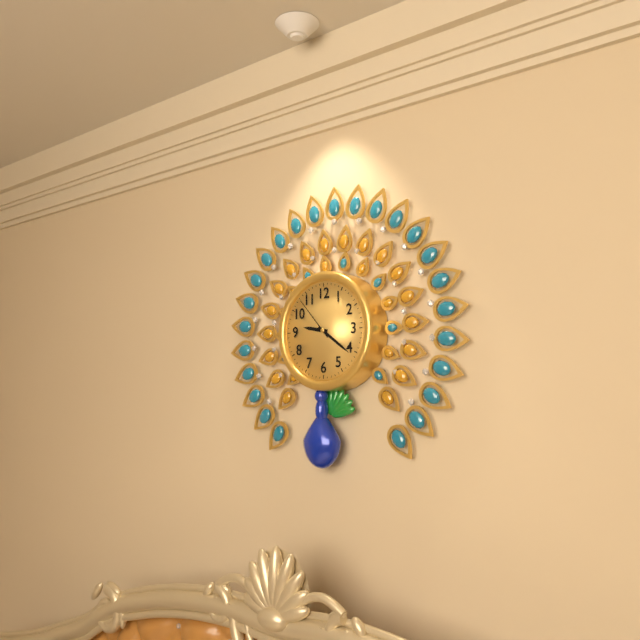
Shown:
9:21
